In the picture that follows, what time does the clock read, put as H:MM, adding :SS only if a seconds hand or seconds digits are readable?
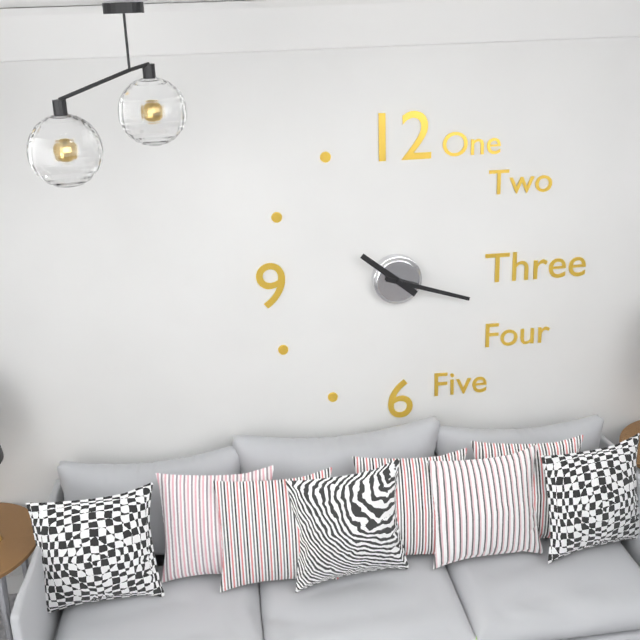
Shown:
10:18
